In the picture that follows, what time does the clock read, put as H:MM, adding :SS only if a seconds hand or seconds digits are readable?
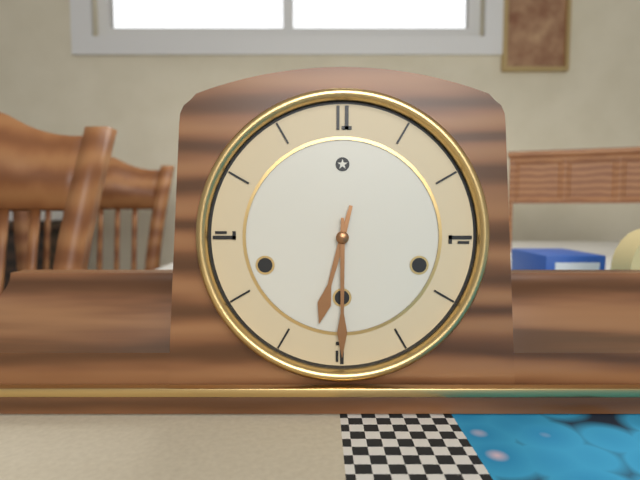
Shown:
6:30
